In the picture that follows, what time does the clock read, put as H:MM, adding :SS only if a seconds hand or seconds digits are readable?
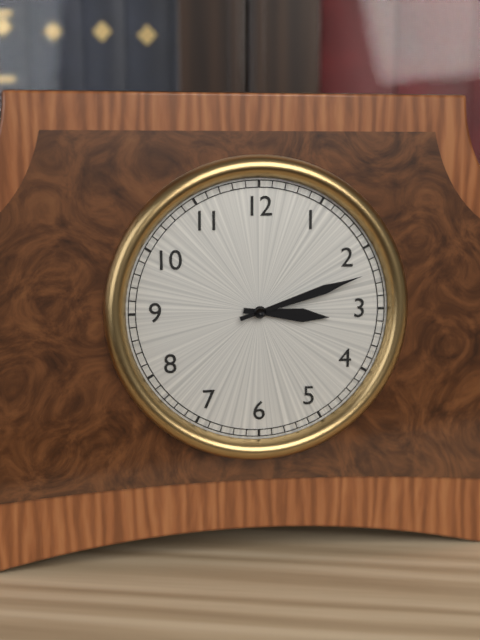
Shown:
3:12
